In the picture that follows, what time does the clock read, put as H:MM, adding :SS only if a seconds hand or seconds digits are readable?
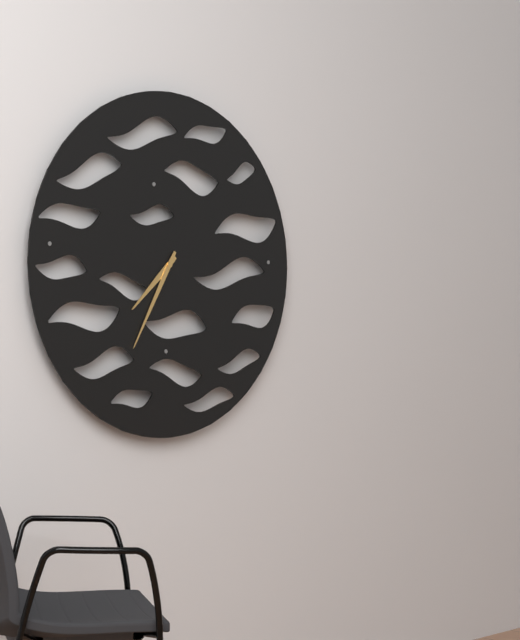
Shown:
7:35
